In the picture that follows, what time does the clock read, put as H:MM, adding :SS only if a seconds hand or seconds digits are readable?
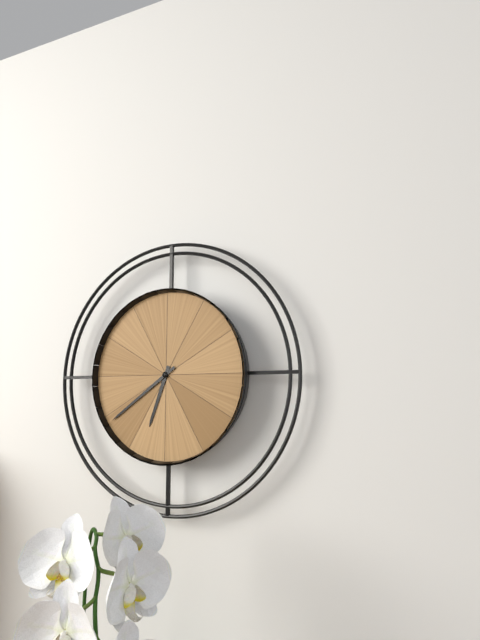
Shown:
6:39
